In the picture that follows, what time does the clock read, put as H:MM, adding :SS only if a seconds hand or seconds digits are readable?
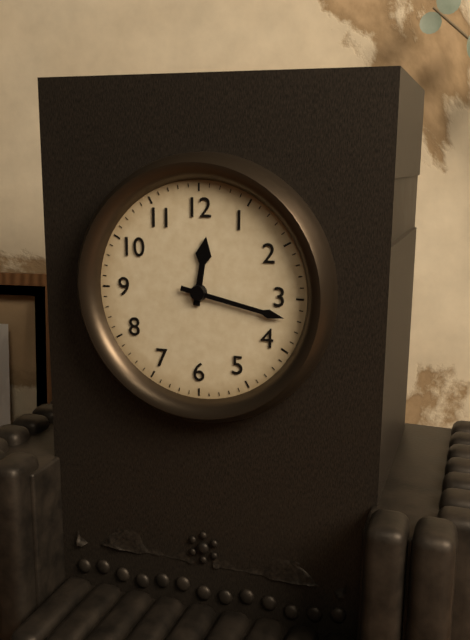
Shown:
12:17
